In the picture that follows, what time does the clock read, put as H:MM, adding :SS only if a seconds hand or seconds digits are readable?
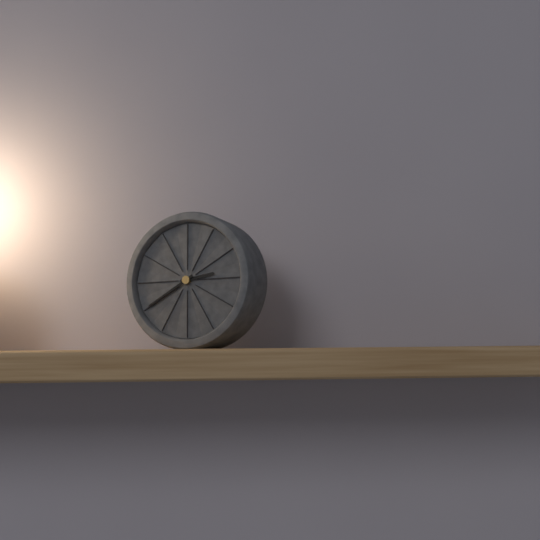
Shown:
2:40
